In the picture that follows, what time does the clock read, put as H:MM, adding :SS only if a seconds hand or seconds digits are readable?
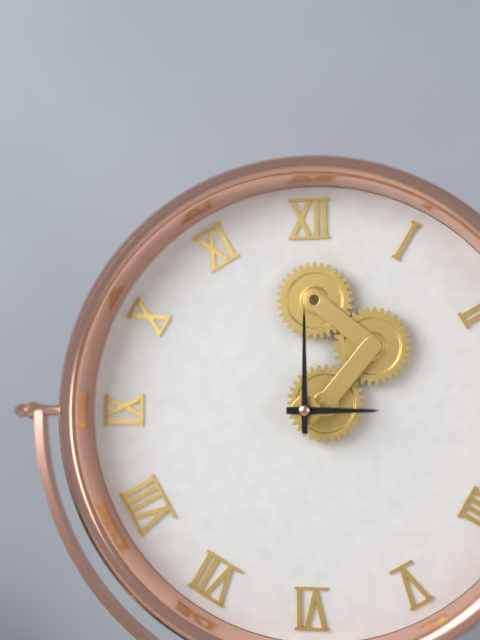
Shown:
3:00
